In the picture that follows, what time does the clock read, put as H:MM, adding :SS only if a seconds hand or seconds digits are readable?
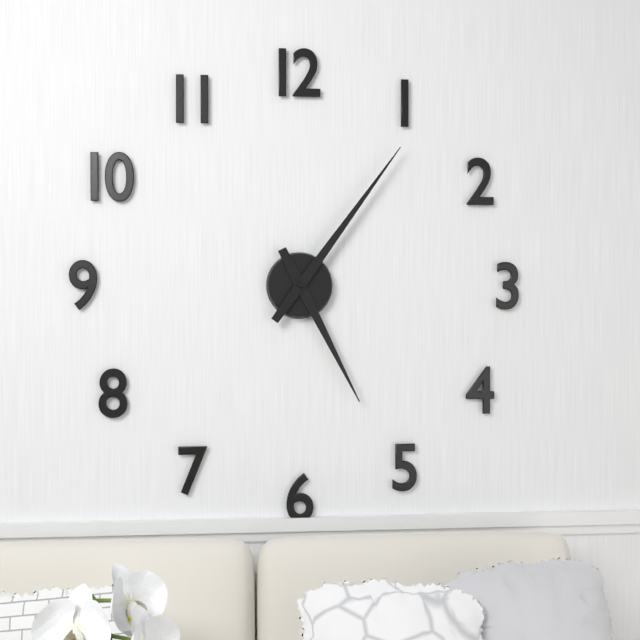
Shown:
5:06
